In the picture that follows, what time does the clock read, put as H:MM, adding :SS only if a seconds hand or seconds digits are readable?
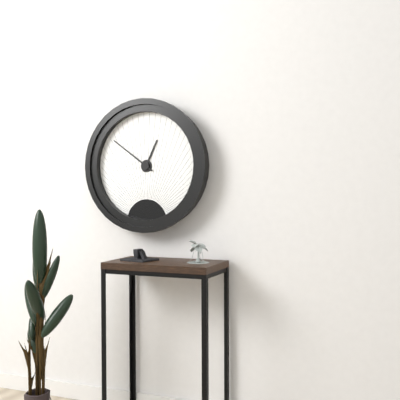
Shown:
12:51
